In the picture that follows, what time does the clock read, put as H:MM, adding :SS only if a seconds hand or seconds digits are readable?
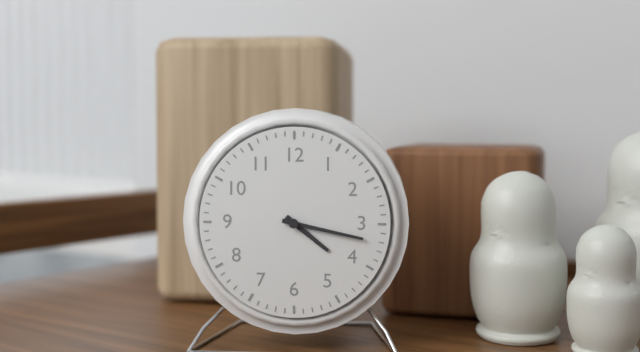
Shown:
4:17
